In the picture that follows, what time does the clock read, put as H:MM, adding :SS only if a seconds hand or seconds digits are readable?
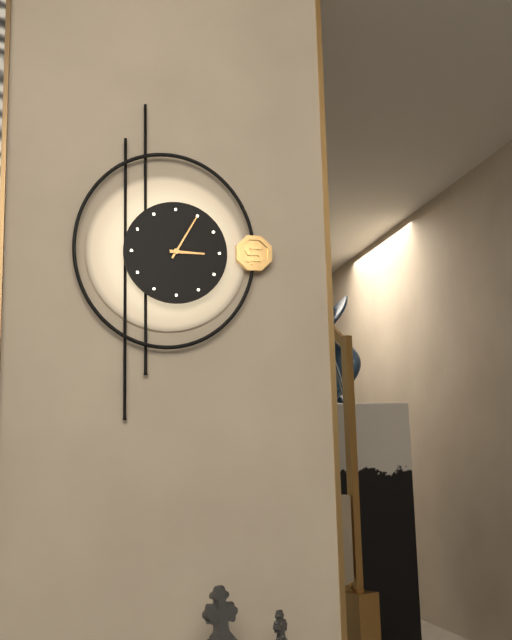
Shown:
3:05
